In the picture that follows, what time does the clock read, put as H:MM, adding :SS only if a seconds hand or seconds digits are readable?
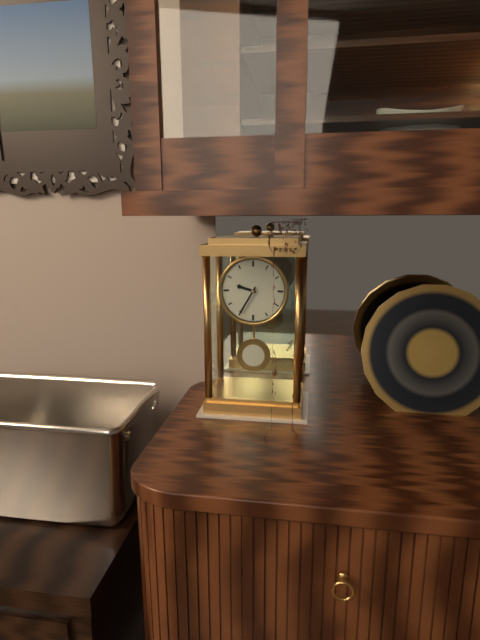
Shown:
9:35
